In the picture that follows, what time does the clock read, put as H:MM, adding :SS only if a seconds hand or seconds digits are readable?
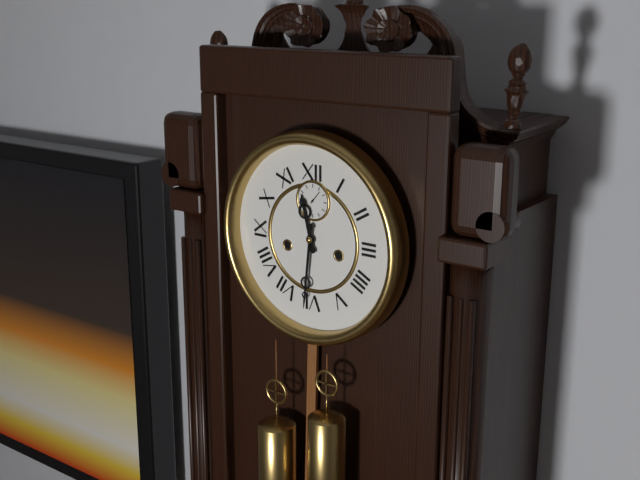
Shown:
11:31
